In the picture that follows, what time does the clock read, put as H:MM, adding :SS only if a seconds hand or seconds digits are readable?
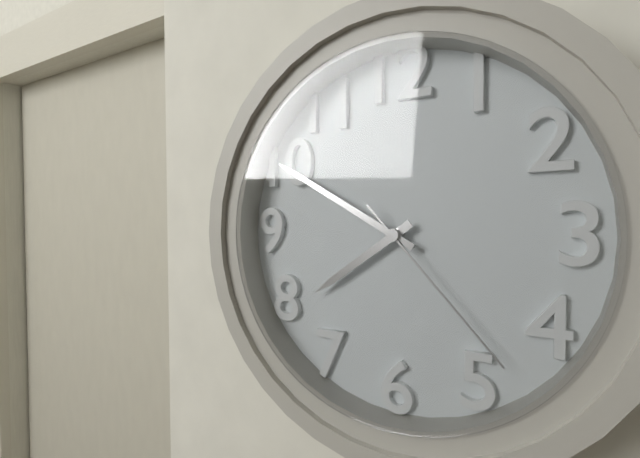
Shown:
7:50:23
